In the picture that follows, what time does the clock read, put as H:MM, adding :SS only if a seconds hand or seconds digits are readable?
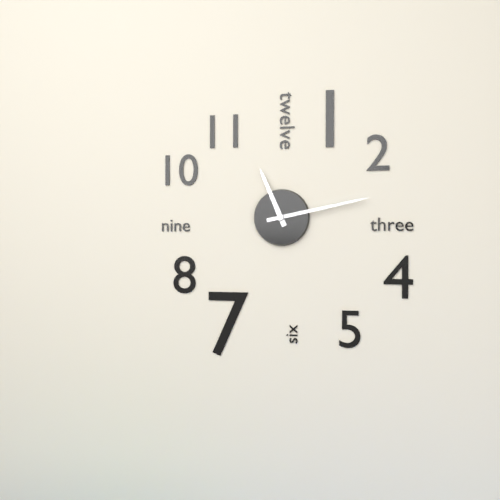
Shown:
11:13
